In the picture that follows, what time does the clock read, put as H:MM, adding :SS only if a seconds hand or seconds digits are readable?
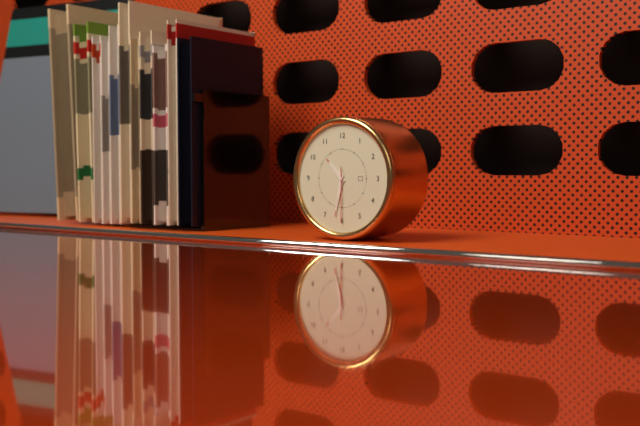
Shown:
10:32:30
